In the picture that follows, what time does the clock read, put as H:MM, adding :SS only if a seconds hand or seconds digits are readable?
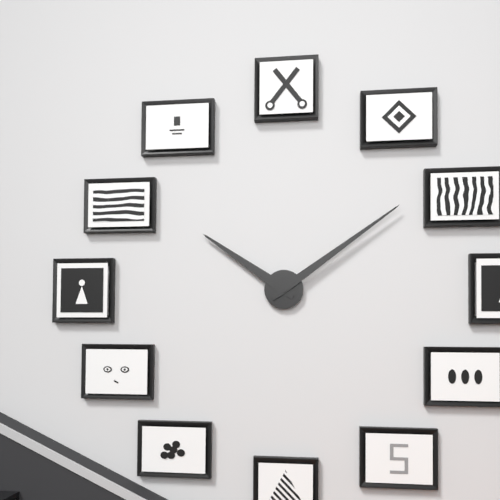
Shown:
10:09
